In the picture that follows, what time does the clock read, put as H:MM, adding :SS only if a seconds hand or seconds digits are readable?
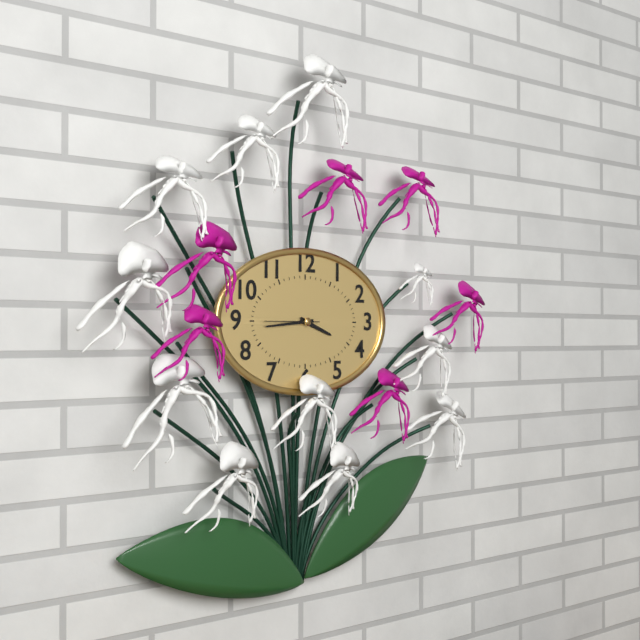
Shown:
3:44:45
